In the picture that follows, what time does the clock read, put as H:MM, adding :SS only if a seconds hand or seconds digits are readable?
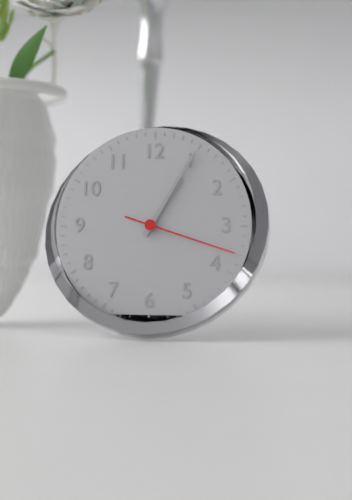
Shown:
1:05:18
